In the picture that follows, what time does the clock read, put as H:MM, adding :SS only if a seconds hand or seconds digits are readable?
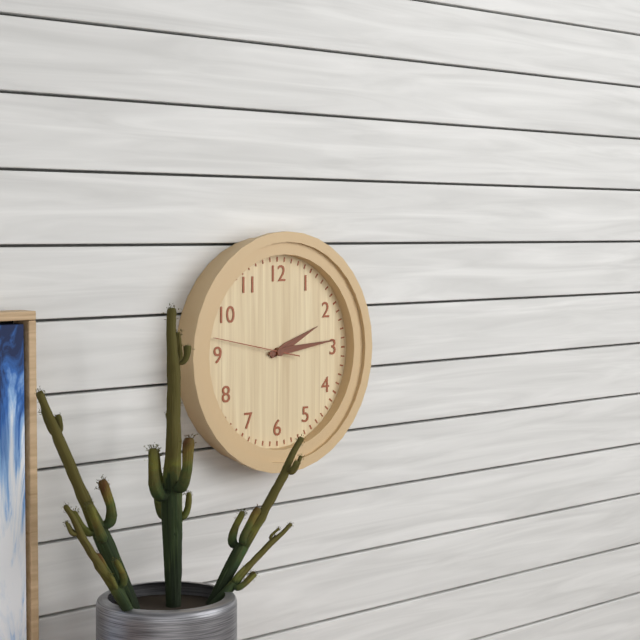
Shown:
2:14:47
